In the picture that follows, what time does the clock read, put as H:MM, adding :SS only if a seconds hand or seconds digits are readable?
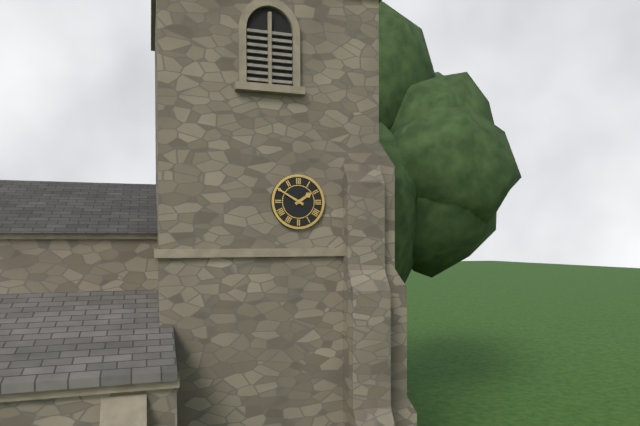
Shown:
1:50
